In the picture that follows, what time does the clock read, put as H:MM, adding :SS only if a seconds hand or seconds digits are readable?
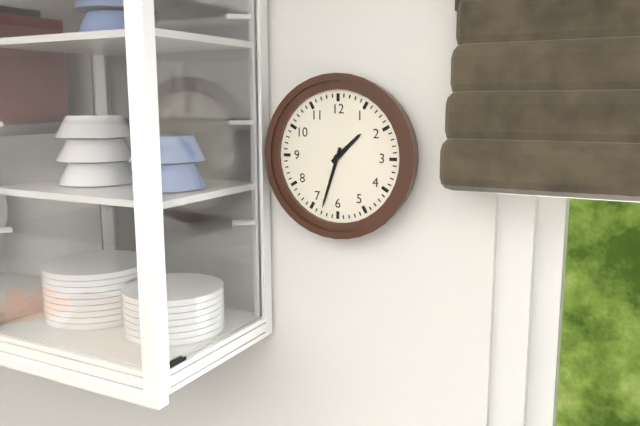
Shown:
1:33
